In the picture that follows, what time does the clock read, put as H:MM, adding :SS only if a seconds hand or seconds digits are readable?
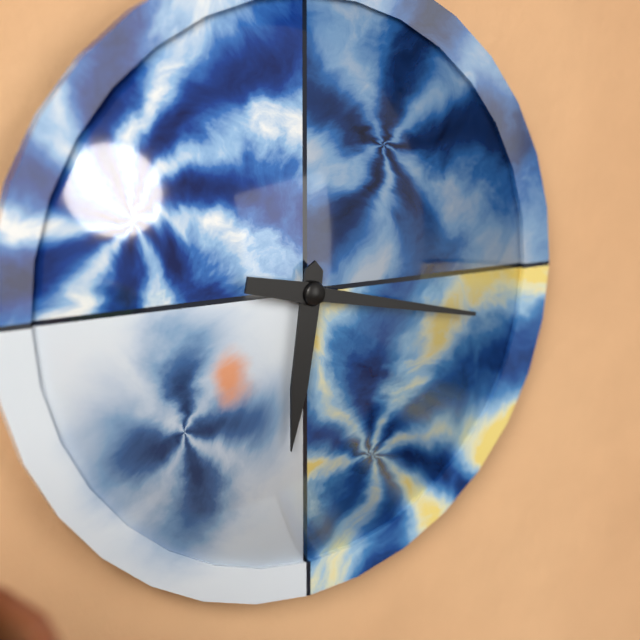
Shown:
6:17
